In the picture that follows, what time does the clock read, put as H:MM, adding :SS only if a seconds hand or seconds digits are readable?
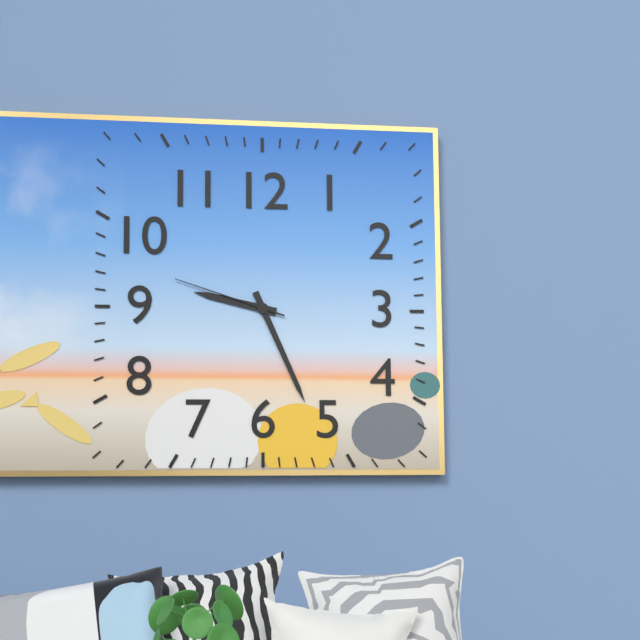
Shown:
9:26:48
